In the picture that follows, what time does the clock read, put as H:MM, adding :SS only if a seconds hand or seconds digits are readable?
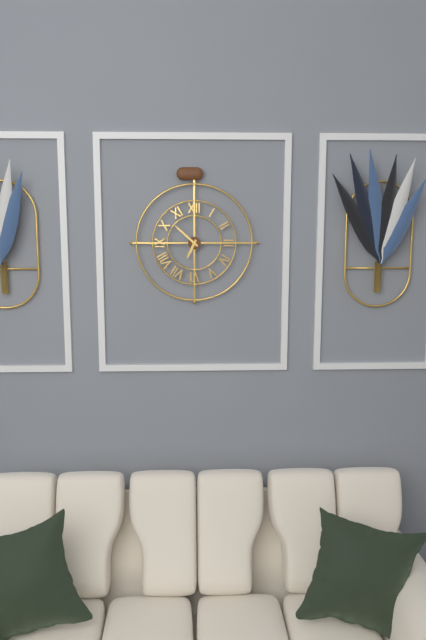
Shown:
6:52
